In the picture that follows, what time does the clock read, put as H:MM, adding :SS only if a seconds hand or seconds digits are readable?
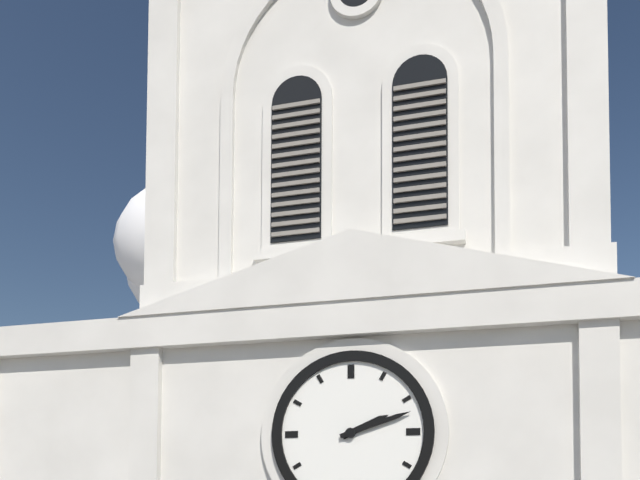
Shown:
2:12
